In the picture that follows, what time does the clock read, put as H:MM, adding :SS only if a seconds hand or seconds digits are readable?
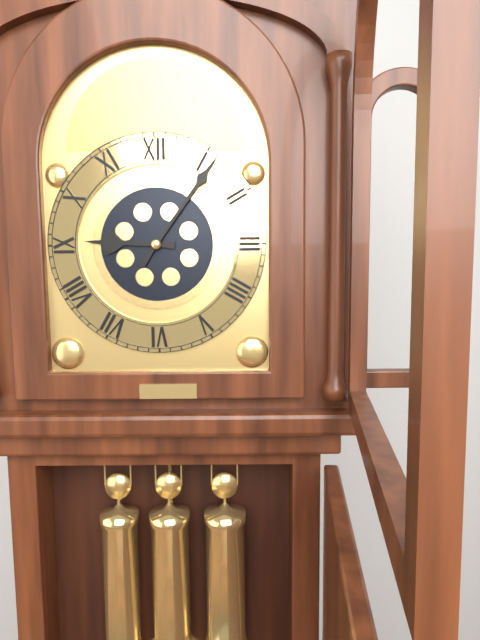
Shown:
9:06
